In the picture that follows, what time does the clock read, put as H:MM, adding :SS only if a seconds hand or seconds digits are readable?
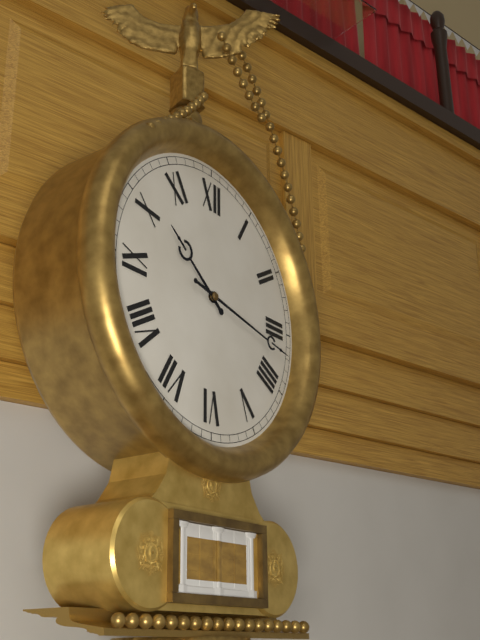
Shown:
10:17
